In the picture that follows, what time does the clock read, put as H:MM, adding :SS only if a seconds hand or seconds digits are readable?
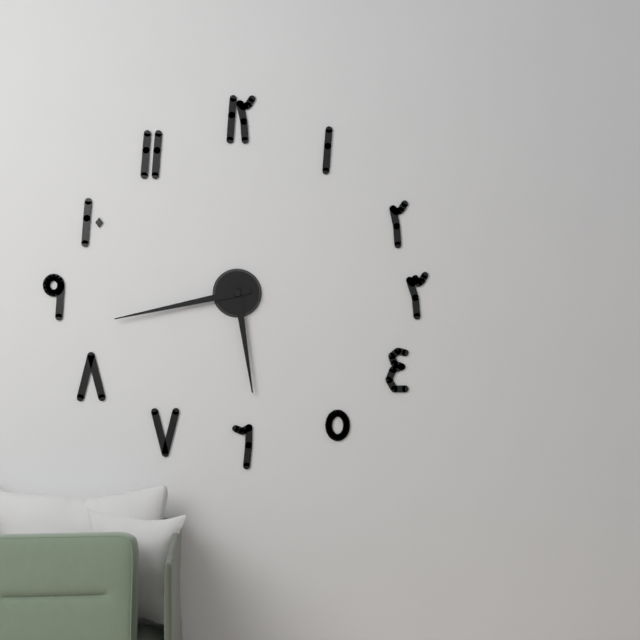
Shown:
5:43
